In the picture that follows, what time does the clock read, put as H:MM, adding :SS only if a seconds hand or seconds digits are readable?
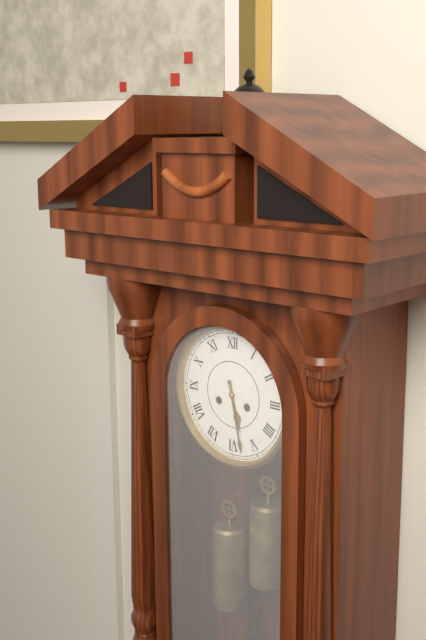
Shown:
5:28
